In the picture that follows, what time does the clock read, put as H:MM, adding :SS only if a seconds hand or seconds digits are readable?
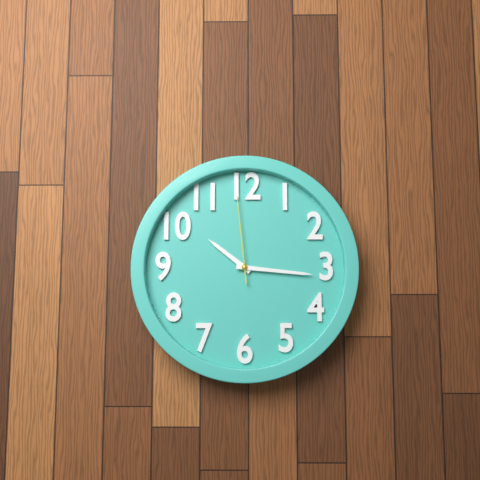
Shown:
10:16:59
